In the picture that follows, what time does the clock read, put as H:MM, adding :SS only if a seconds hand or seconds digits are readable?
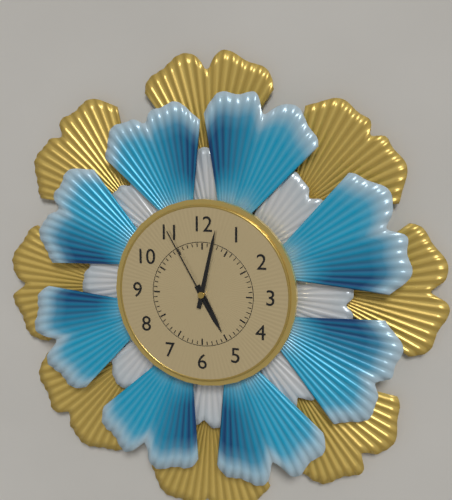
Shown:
5:02:55
